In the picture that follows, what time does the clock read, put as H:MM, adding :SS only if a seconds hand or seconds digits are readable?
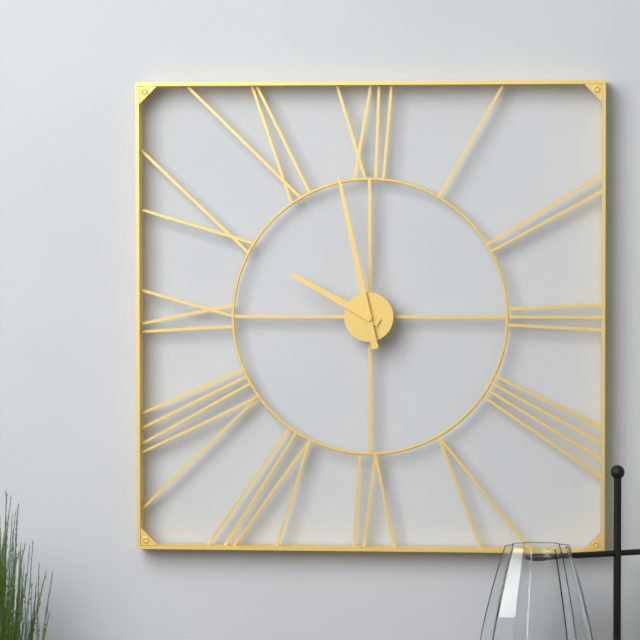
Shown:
9:58
